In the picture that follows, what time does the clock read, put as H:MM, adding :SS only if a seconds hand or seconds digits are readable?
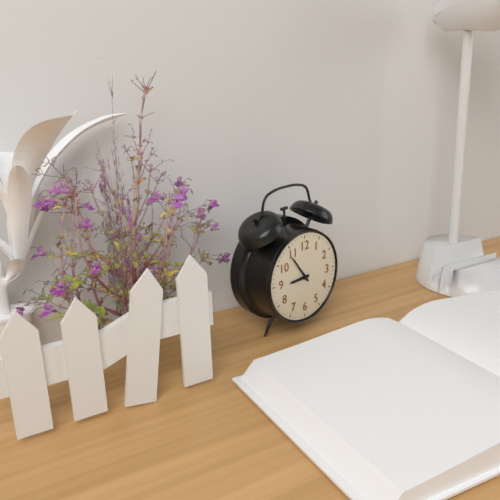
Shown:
8:54
